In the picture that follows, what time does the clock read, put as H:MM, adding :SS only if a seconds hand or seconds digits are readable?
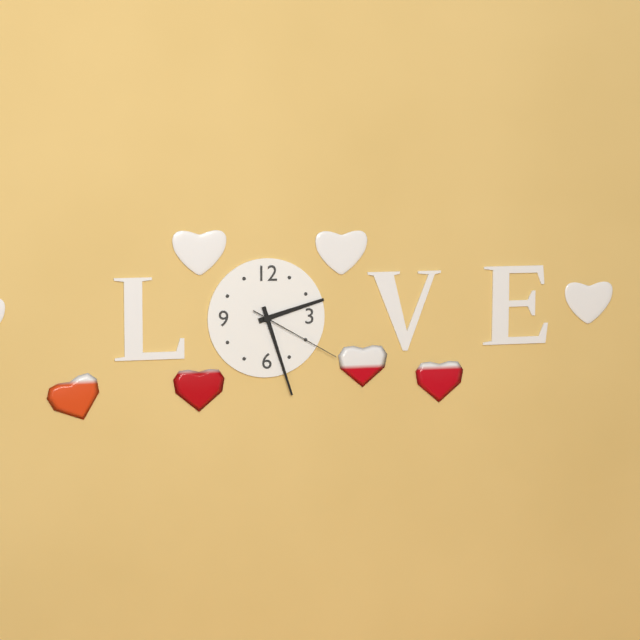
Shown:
2:27:20
